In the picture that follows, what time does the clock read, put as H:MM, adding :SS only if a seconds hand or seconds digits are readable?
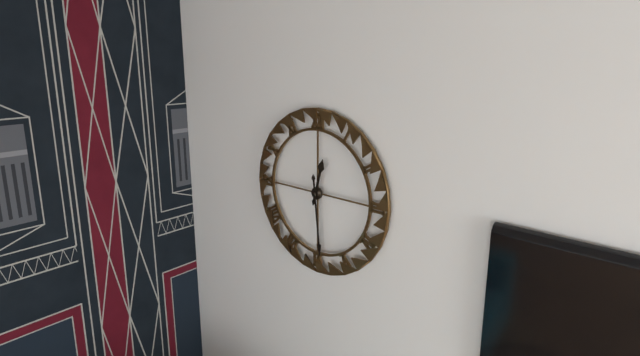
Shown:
12:29
